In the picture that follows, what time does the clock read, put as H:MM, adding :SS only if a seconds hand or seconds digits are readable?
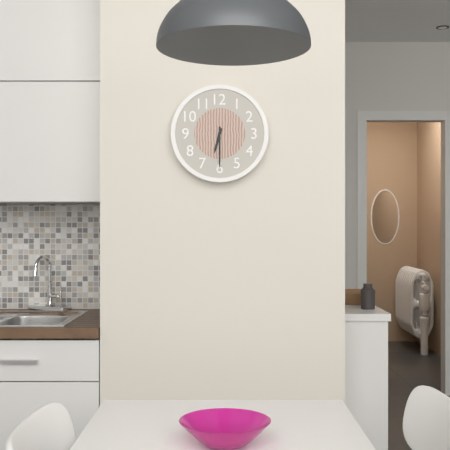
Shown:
6:30
